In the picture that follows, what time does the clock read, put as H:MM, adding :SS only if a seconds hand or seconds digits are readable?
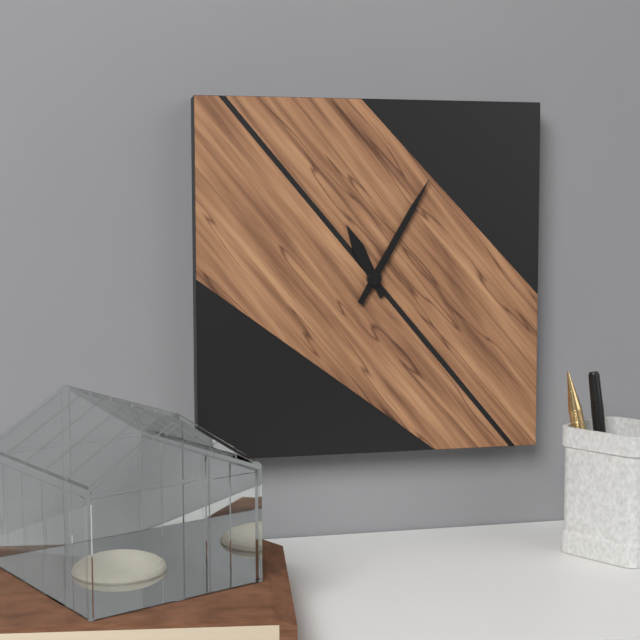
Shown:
11:05
